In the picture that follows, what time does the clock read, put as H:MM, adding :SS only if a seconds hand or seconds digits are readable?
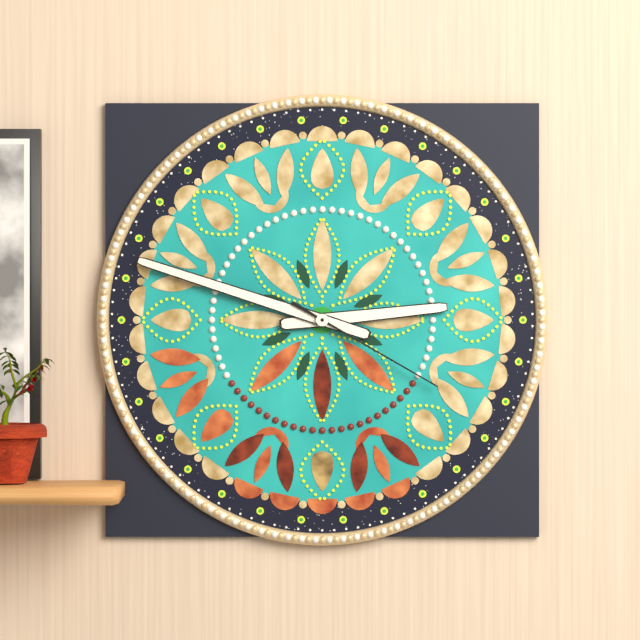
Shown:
2:48:20
